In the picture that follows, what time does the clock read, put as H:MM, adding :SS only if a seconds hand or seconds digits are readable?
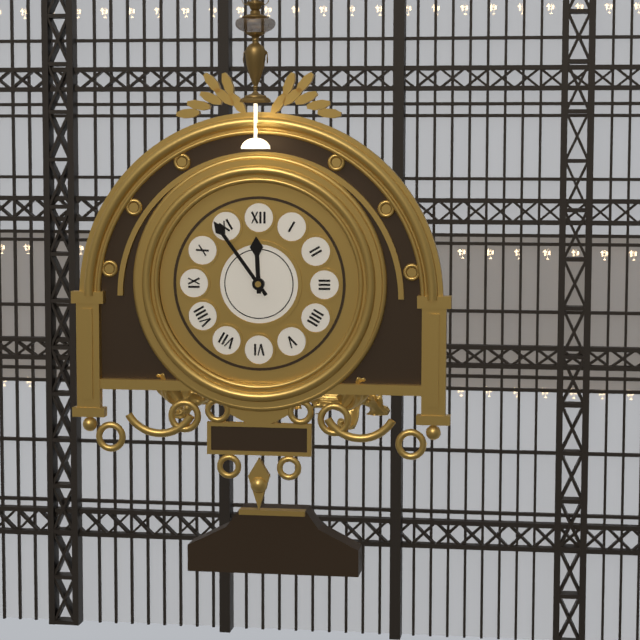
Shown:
11:54
